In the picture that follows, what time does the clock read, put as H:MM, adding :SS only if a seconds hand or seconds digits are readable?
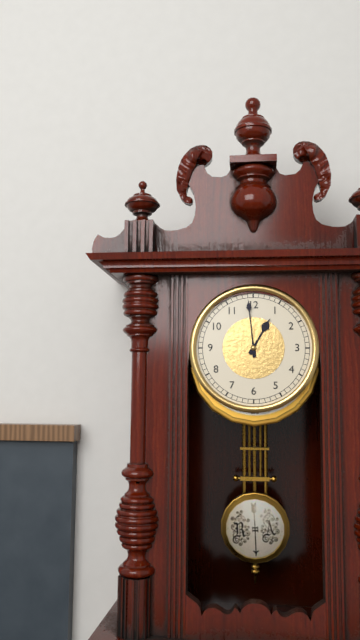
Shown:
12:59
